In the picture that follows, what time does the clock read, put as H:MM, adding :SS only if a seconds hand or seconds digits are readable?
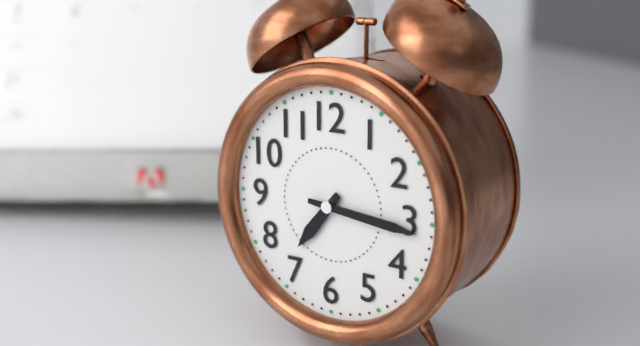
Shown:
7:16
